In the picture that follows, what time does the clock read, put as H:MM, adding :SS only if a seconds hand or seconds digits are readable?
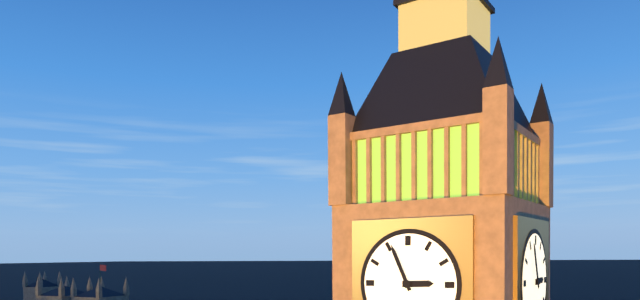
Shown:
2:56
